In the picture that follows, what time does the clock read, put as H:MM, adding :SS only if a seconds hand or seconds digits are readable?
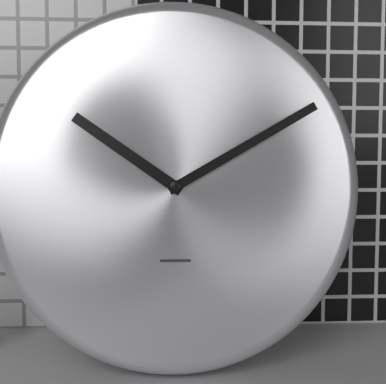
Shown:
10:10
